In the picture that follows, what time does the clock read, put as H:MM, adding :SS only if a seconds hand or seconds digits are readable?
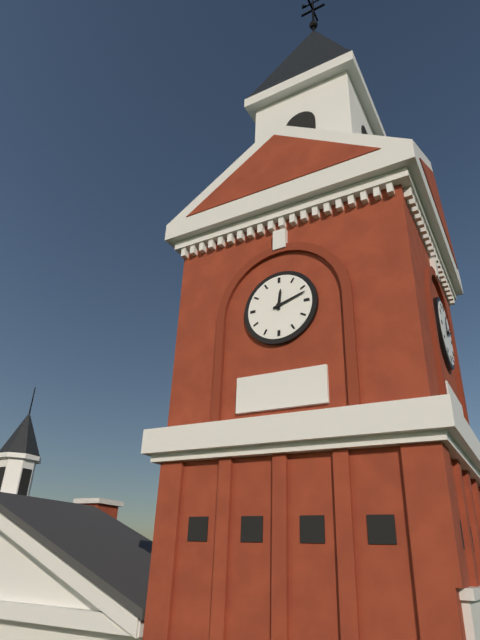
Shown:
12:12
